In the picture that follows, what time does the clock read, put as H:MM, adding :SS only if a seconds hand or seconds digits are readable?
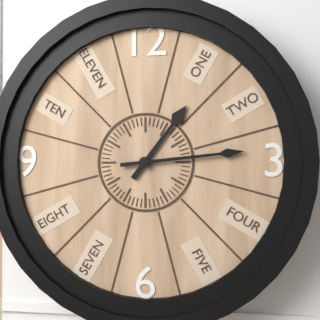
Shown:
1:14
